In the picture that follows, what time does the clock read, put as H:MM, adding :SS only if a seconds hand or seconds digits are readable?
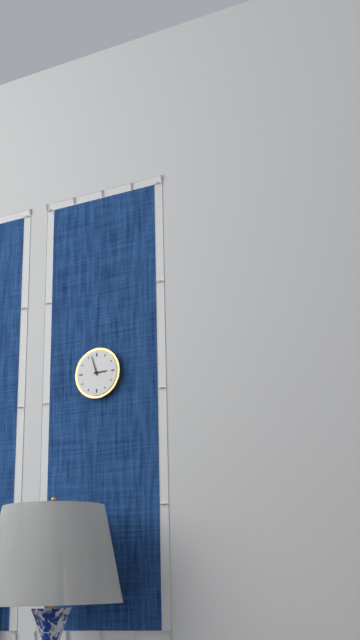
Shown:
2:57
